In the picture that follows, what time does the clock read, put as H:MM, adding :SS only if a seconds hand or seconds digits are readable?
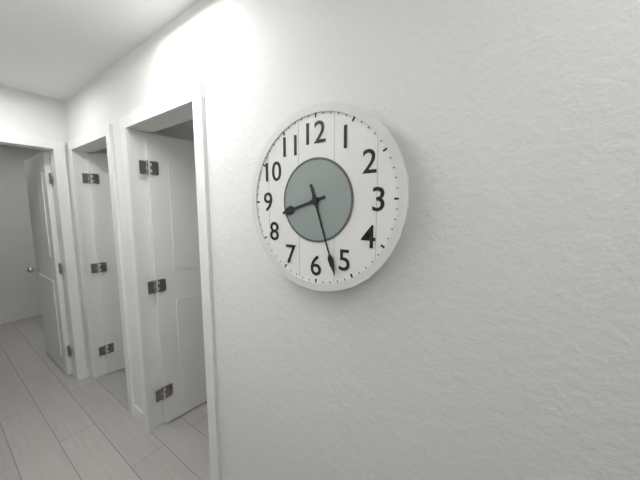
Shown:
8:27
